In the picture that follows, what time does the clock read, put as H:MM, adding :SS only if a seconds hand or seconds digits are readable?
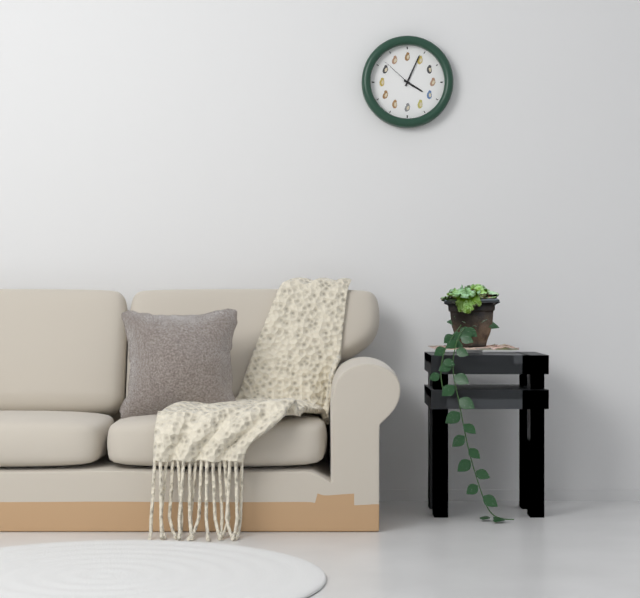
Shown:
4:04
